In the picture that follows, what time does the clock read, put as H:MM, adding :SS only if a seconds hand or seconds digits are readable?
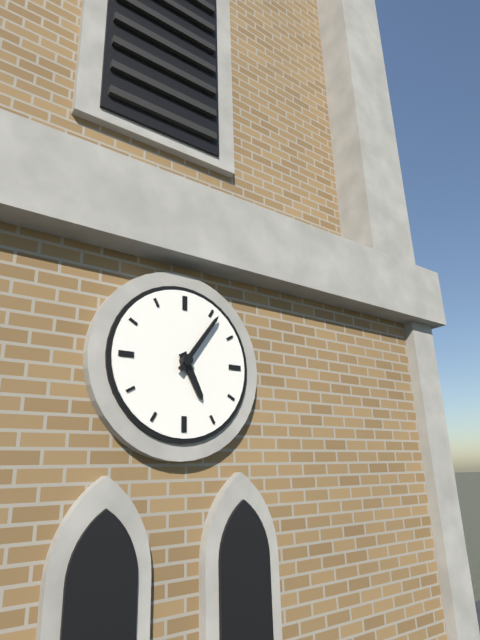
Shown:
5:06
